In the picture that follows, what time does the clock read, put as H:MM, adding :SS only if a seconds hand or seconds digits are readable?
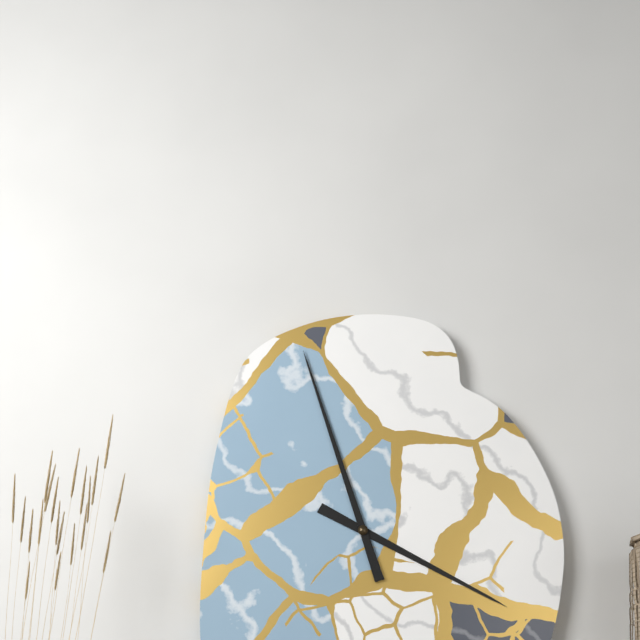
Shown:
3:57
